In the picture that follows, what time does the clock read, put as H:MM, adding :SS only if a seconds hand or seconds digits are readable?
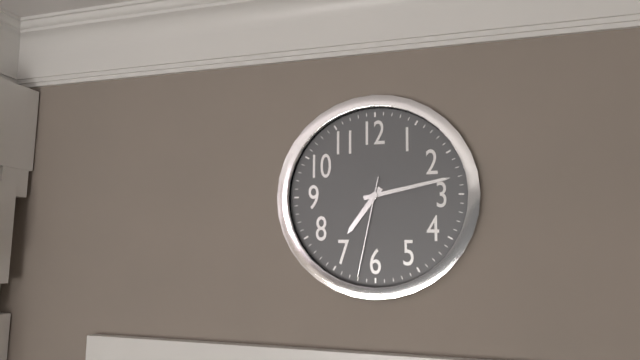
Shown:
7:13:32
